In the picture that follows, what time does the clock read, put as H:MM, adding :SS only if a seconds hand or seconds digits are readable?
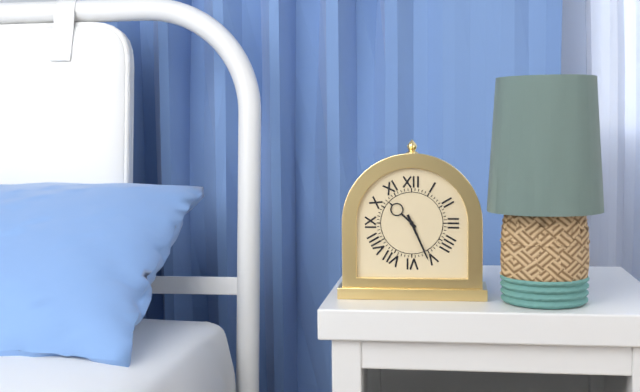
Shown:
10:26
